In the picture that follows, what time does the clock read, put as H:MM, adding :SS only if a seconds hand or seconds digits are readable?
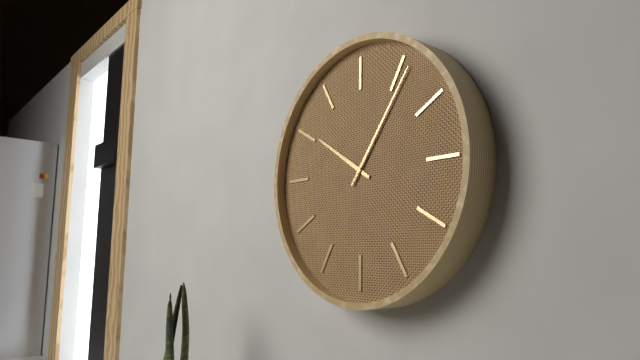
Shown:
10:06
